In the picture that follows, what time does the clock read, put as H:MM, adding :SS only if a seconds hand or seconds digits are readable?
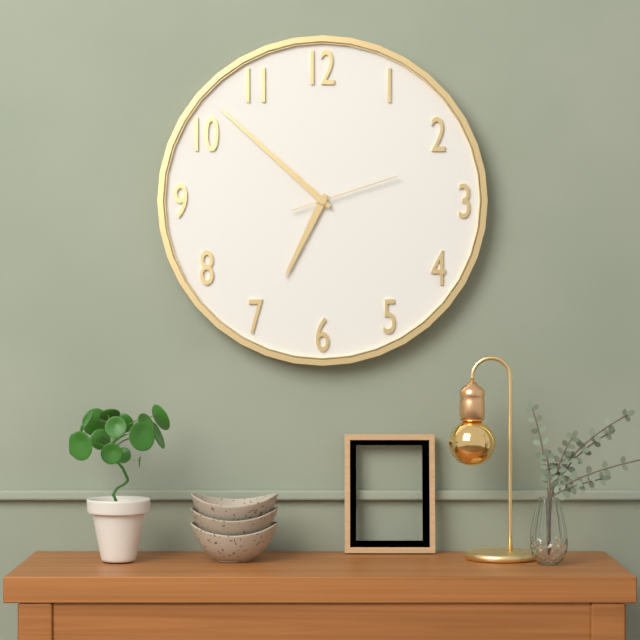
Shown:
6:52:12
